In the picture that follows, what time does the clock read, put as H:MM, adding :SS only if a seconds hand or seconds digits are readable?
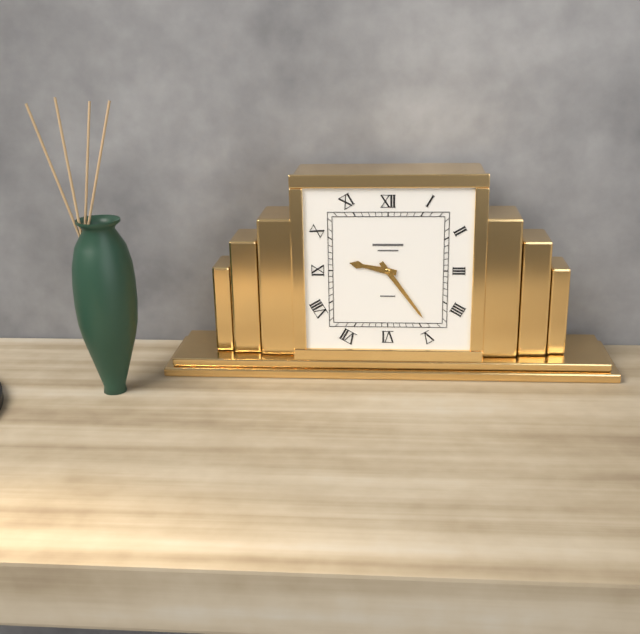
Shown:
9:24
